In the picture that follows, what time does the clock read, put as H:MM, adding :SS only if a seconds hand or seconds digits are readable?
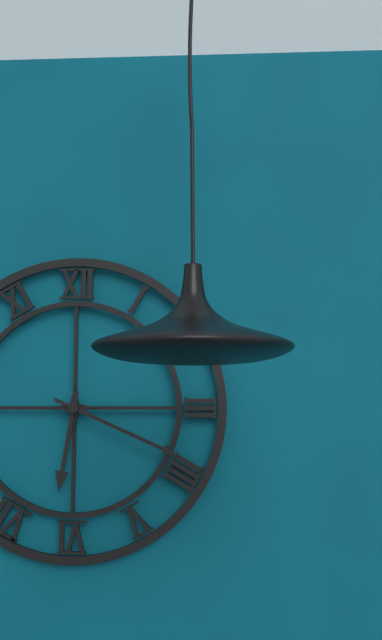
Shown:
6:19
